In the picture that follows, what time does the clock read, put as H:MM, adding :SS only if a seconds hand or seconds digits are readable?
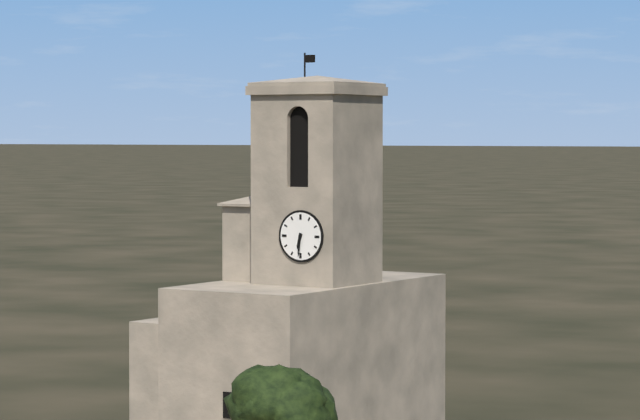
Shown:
6:31
